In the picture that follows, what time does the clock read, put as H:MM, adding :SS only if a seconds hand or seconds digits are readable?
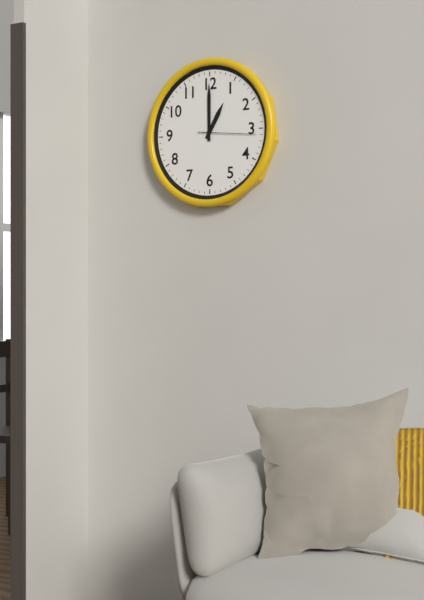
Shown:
1:00:16
